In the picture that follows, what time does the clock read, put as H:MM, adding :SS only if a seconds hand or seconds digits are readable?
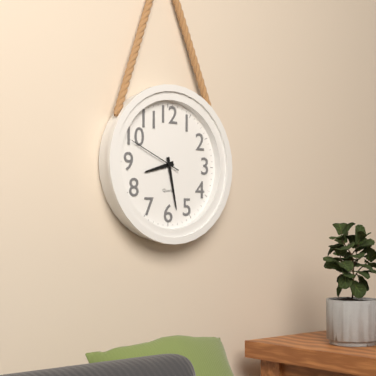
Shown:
8:28:49
